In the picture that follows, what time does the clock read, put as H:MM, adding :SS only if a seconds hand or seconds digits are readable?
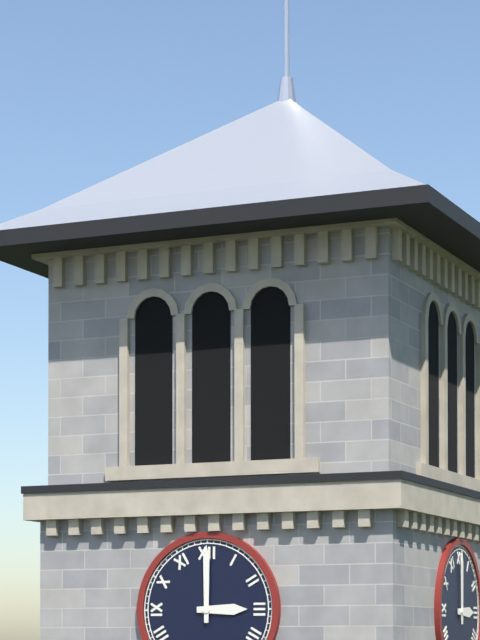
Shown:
3:00
